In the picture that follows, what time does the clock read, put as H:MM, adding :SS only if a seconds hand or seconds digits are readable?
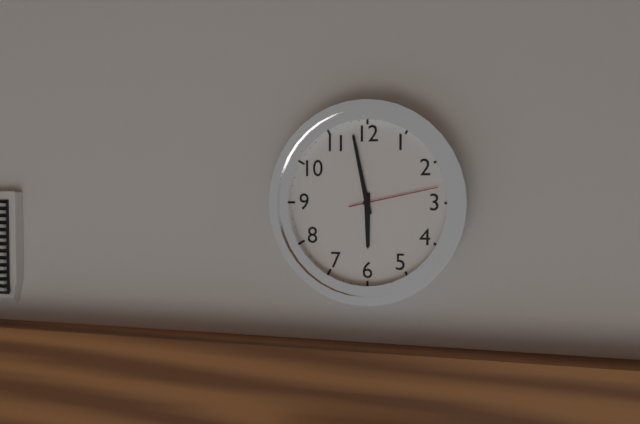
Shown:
5:58:13
